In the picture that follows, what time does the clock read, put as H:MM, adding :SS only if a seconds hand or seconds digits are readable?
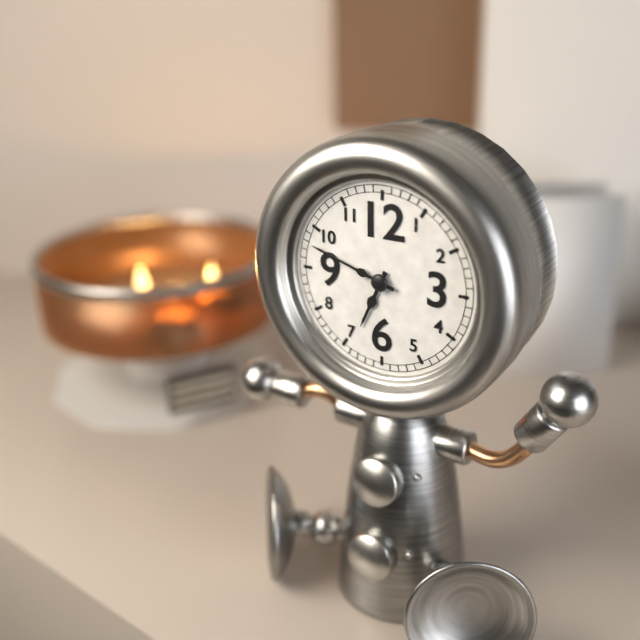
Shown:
6:48
